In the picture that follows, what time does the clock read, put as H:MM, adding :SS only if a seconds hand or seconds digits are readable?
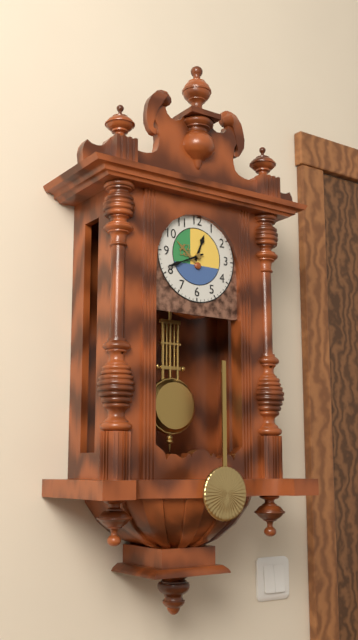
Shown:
12:41
